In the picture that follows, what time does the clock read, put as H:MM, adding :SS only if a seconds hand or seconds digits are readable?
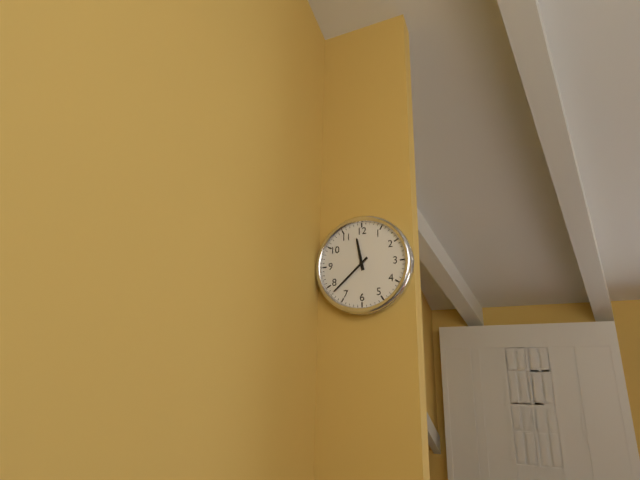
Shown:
11:38
